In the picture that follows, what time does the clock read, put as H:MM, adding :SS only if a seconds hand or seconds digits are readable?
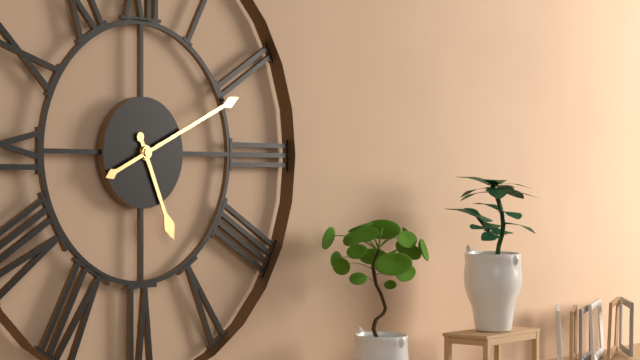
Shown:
5:11
